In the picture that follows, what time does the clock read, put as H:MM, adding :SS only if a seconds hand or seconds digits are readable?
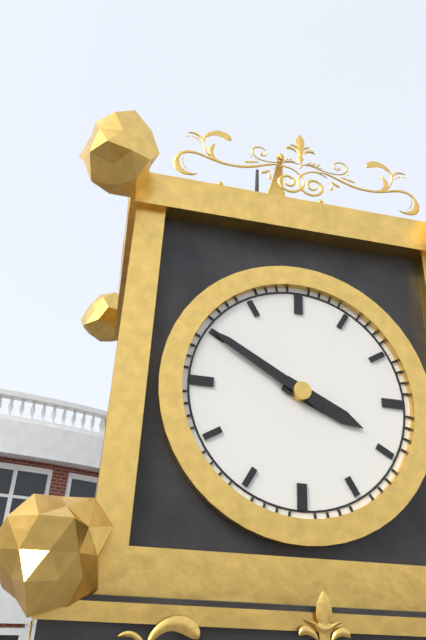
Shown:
3:50
